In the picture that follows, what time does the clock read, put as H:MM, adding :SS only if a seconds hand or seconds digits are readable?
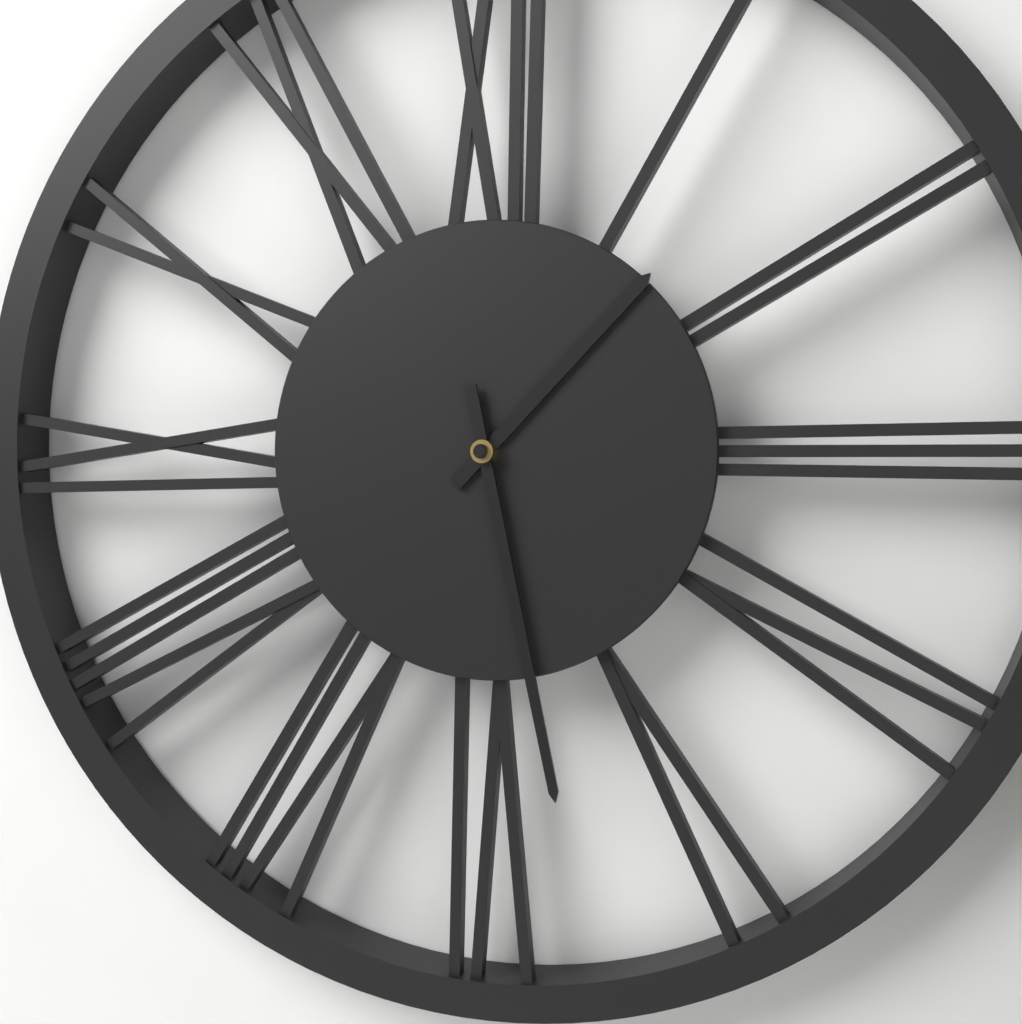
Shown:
1:28
